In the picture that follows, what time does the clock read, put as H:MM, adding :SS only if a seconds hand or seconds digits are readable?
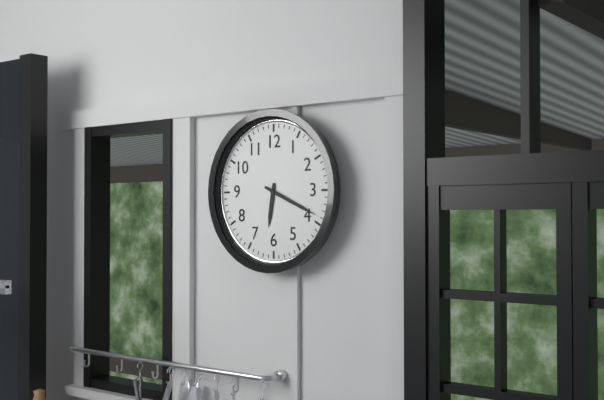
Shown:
6:19
